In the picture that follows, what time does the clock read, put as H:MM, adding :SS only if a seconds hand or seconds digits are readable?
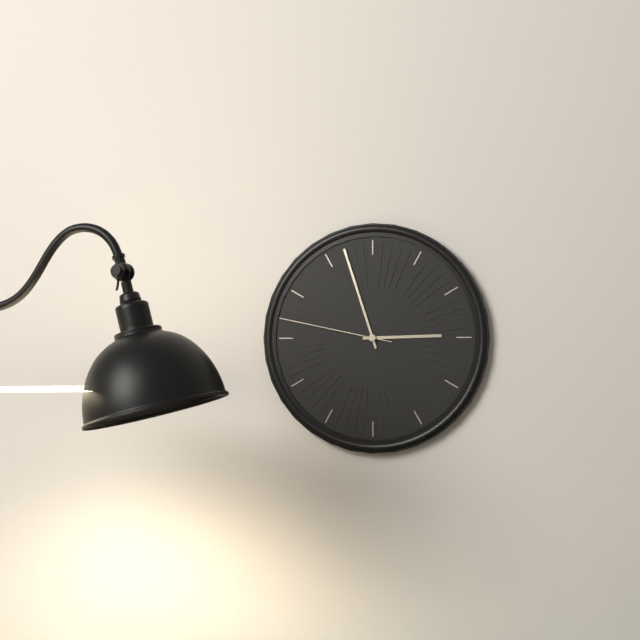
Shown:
2:57:47
